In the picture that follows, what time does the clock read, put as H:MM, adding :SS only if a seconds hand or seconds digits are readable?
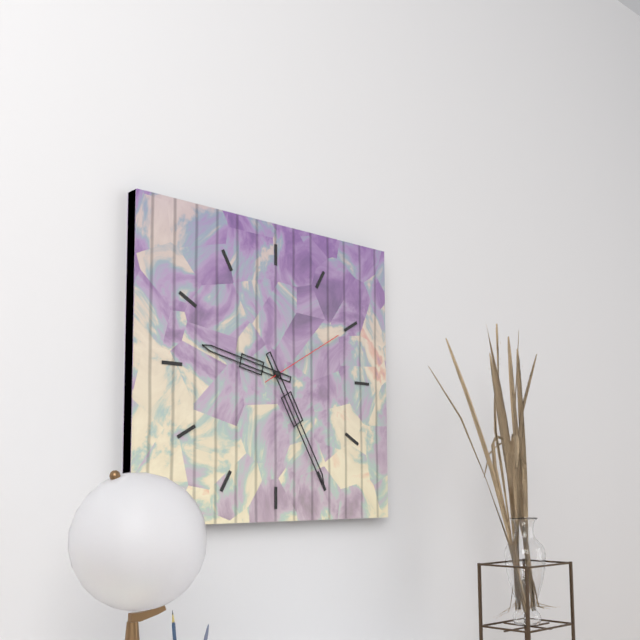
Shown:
9:25:10
